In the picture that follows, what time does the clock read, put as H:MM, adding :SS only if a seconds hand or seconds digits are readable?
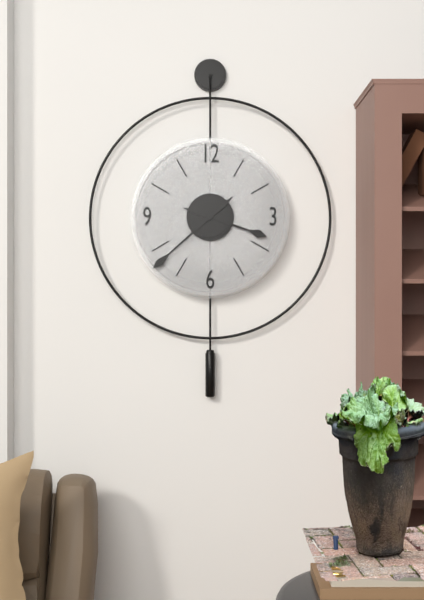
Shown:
3:38
